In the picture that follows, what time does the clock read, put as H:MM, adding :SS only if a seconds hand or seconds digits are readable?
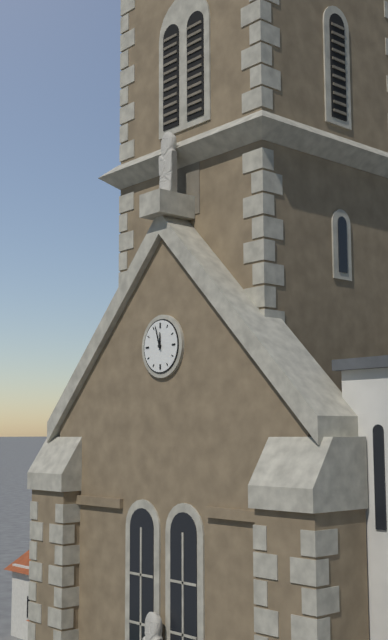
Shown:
11:57
